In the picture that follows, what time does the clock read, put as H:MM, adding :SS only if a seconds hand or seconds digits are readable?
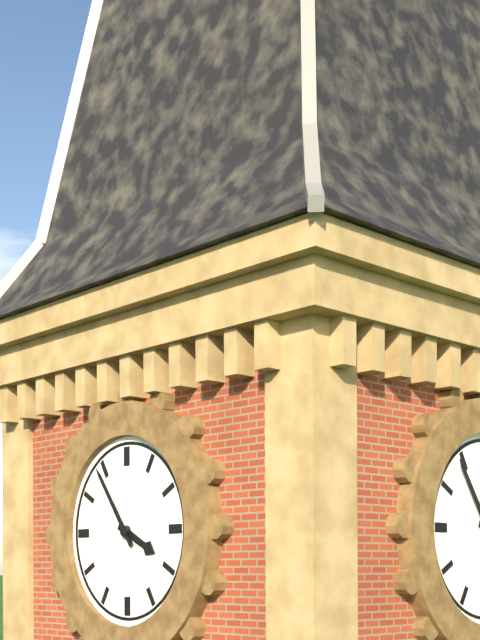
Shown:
3:54
